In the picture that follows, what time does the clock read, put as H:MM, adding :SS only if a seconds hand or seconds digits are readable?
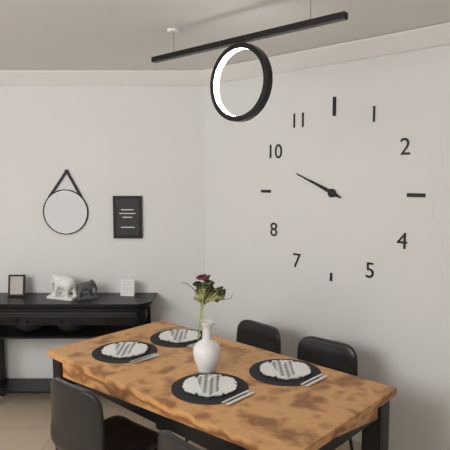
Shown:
9:49
